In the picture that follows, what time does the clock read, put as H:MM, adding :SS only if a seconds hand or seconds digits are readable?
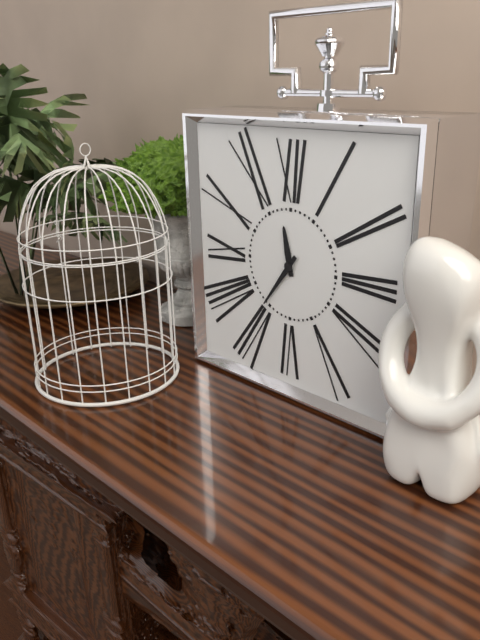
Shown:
11:36
